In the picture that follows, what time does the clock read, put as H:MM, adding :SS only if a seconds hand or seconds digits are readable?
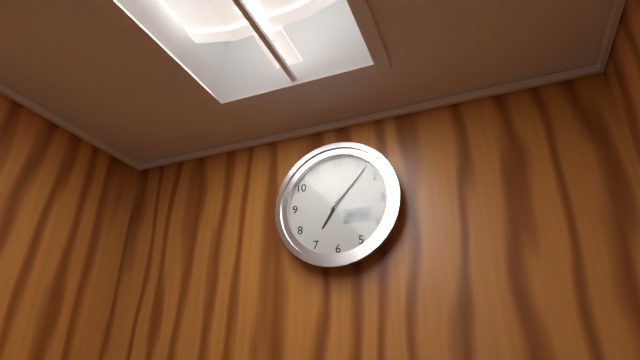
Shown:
7:07
